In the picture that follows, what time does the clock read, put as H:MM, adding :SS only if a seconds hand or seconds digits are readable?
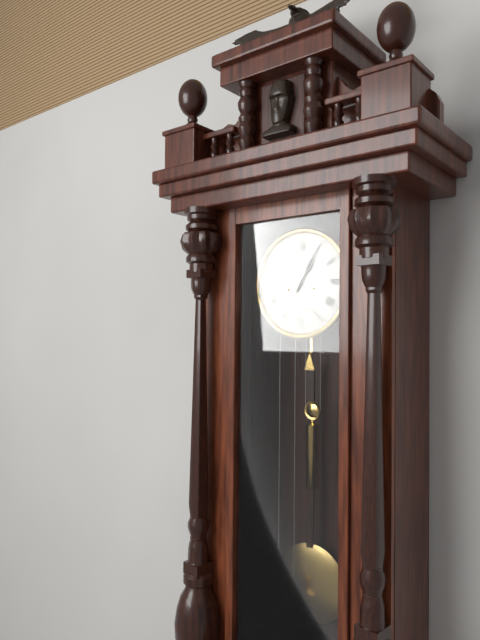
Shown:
1:05
